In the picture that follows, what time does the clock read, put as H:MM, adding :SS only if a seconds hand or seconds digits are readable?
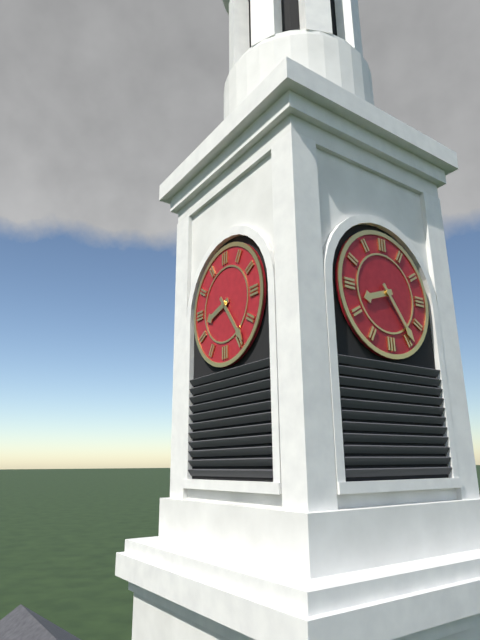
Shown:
8:24
